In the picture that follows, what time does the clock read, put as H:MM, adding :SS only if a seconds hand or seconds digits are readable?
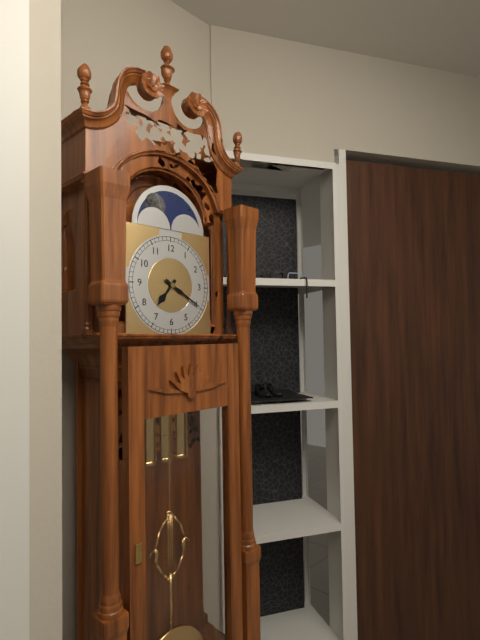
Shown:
7:20
